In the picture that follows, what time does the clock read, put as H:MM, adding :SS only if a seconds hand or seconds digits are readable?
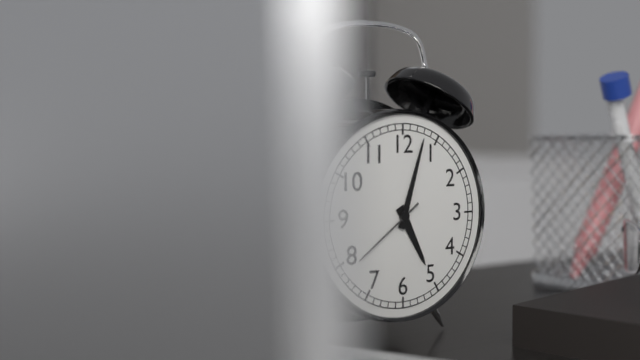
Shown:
5:03:39
